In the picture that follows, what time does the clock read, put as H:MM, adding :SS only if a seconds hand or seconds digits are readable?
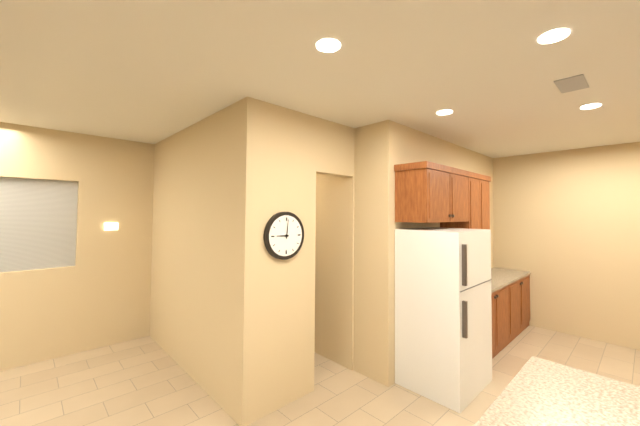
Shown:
9:01
